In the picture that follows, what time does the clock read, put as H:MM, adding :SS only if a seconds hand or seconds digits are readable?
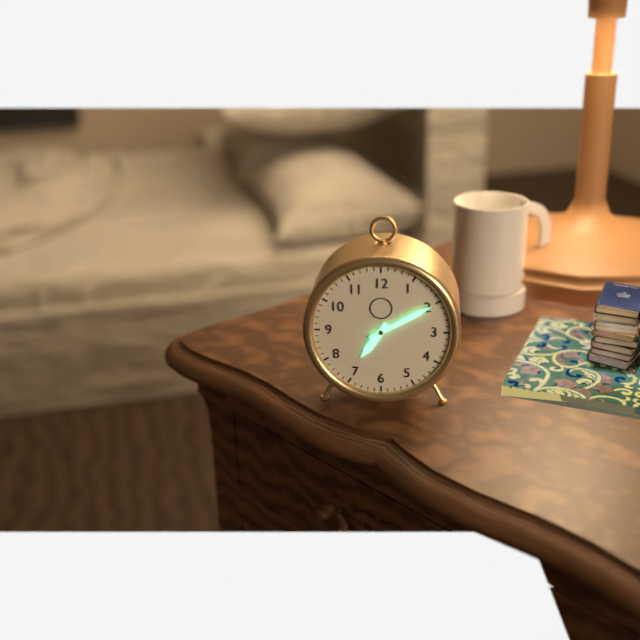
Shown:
7:10
